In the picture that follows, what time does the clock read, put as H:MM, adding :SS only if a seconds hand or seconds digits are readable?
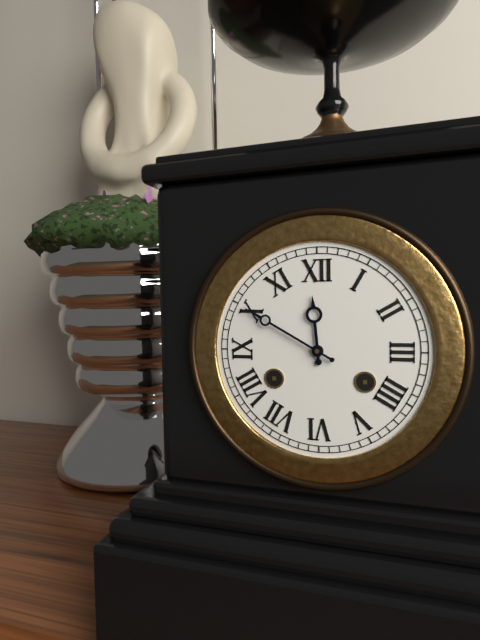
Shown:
11:50
